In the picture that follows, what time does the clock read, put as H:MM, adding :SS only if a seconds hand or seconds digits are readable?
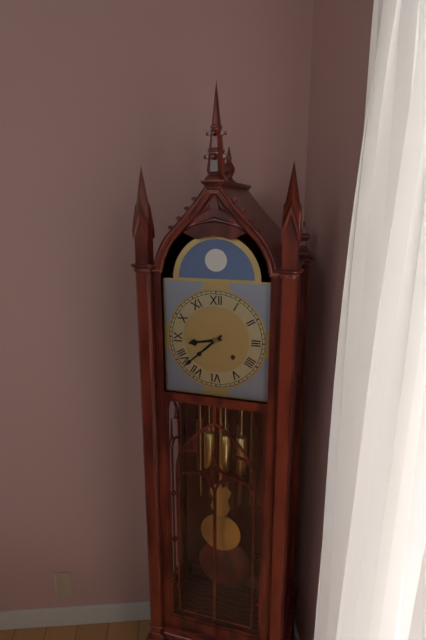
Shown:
8:38
